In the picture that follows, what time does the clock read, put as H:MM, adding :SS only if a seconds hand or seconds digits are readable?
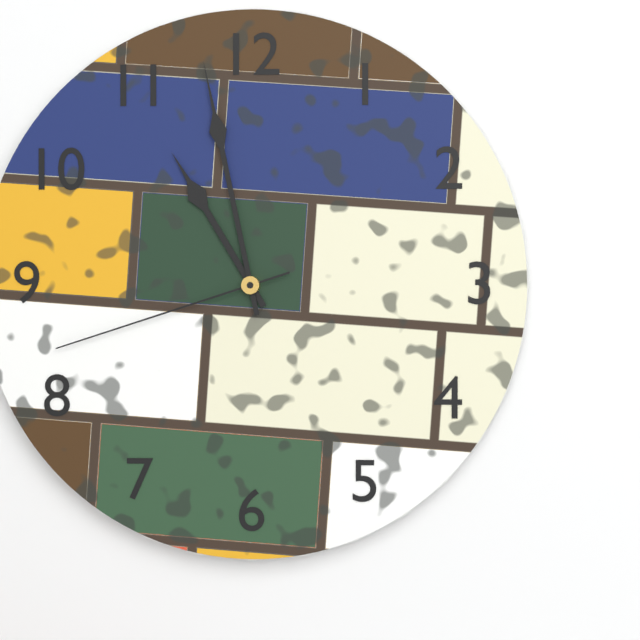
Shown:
10:58:42
